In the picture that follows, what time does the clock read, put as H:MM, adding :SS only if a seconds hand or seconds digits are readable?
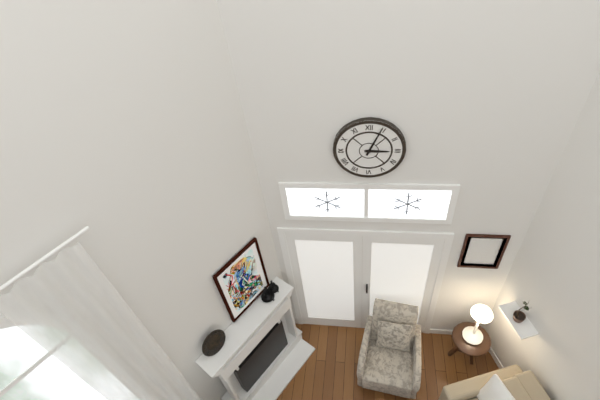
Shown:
3:04
